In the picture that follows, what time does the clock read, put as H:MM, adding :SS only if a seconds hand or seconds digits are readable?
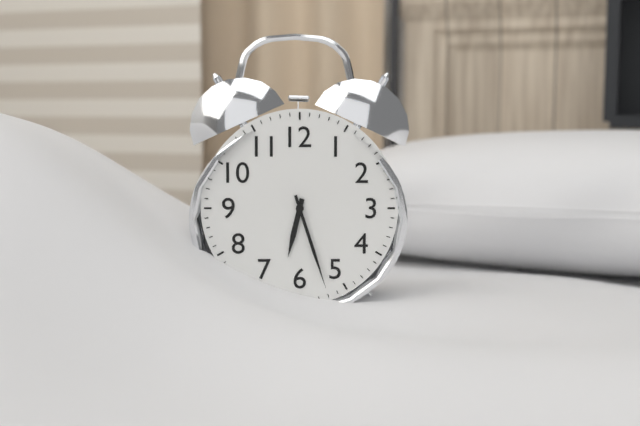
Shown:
6:27
